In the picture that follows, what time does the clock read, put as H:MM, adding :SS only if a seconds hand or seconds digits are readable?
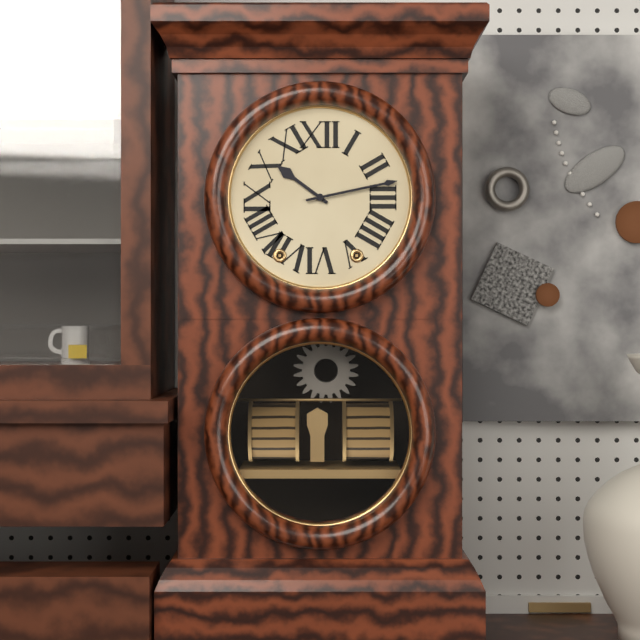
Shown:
10:13
